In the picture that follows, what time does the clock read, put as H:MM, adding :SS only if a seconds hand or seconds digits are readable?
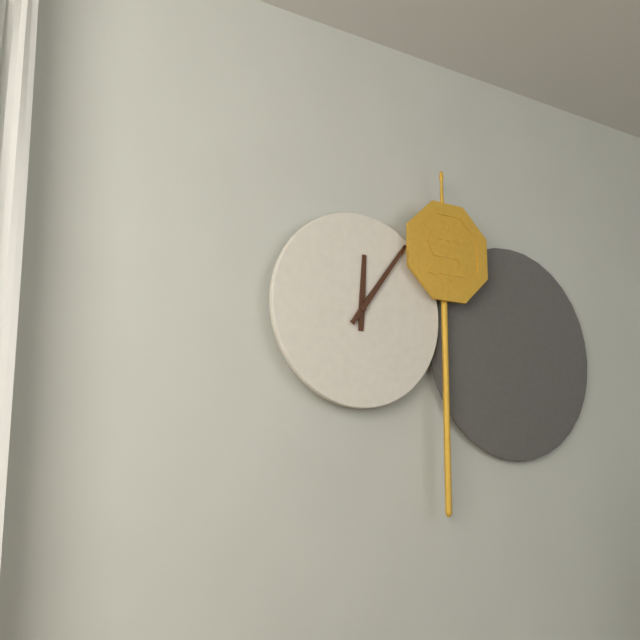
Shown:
12:06
